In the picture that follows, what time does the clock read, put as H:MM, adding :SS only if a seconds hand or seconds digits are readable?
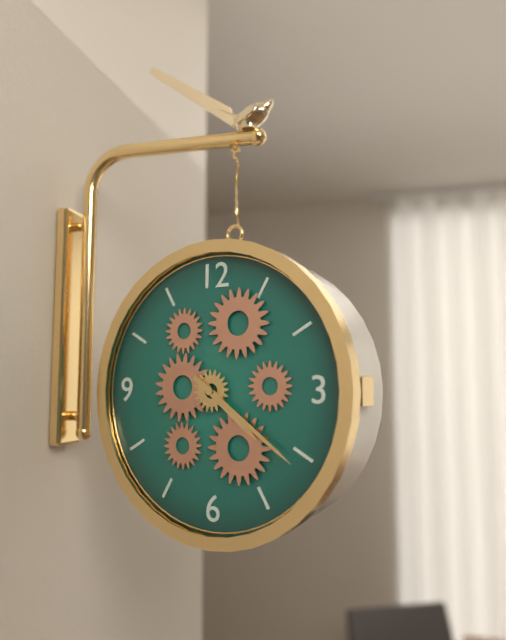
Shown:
4:21
